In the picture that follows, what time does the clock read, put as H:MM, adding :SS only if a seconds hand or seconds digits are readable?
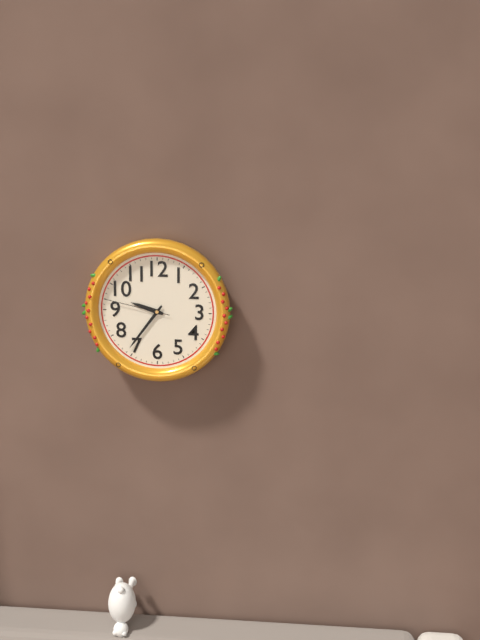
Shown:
9:36:47
